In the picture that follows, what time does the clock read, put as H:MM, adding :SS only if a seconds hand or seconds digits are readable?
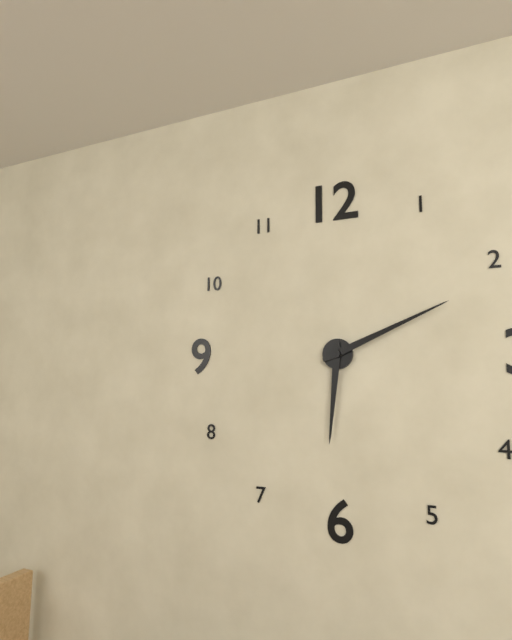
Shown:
6:11
